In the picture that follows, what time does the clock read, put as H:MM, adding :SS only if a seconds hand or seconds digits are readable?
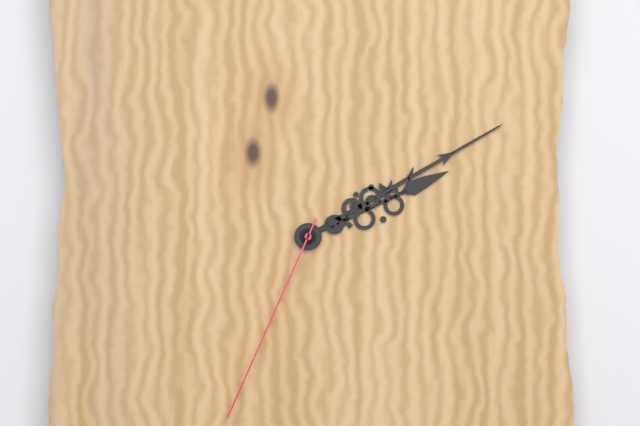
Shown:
2:10:34
